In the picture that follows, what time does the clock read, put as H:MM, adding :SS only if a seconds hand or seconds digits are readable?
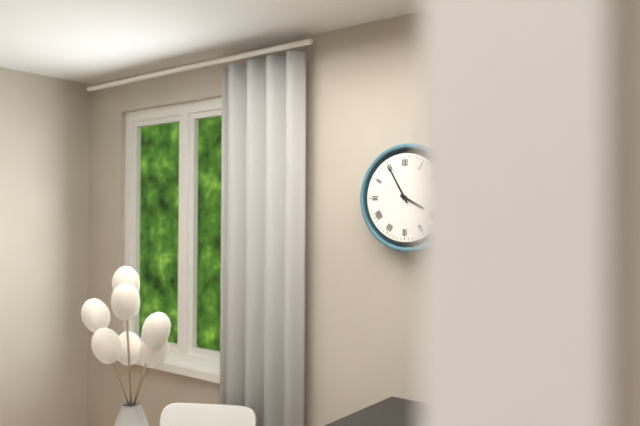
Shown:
3:55
